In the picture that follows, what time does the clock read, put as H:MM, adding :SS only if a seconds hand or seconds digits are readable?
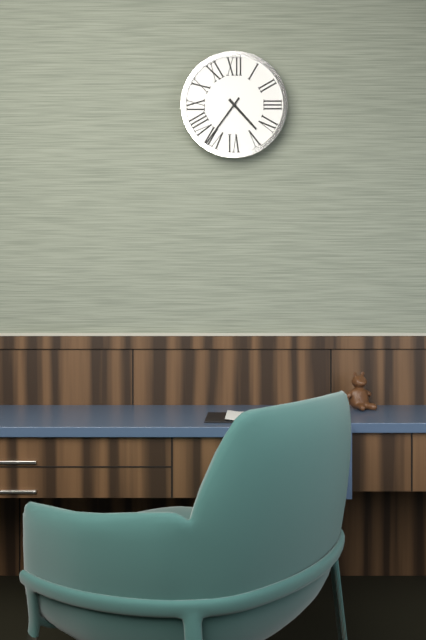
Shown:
4:36
